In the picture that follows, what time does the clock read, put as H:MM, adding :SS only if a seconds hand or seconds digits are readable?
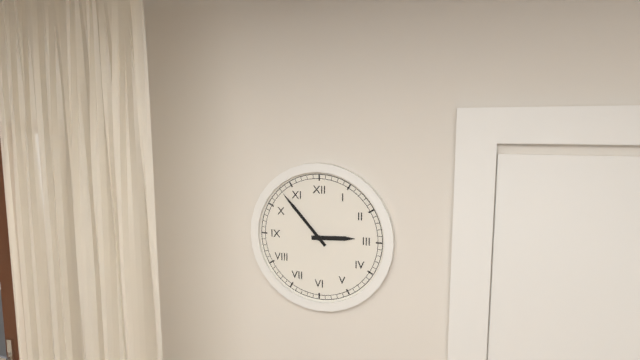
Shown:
2:53
